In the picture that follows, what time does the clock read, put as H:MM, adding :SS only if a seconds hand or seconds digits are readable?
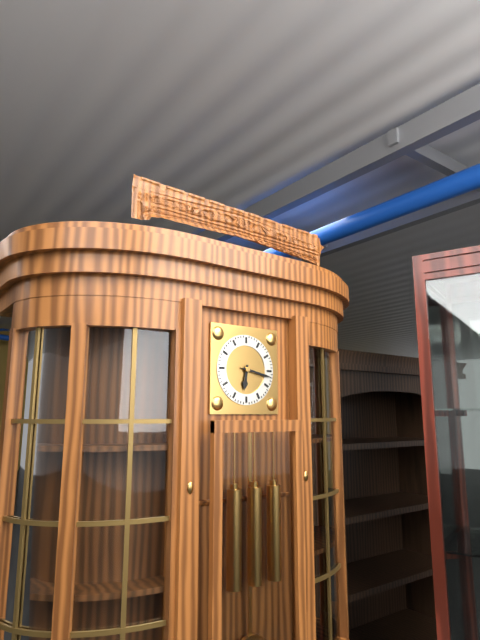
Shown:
6:17
